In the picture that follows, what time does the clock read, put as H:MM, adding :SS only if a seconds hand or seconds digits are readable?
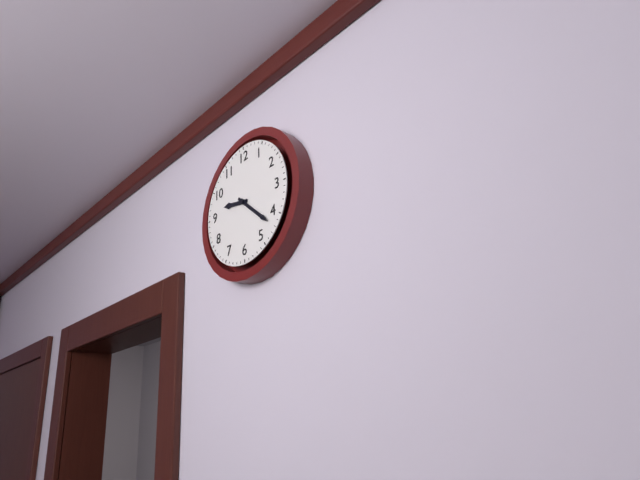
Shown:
9:22
